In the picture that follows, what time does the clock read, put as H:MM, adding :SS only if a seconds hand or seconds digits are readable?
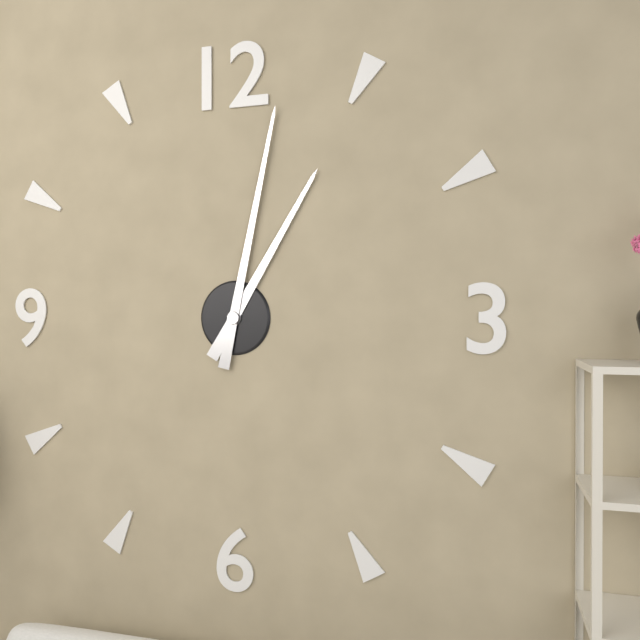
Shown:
1:02
